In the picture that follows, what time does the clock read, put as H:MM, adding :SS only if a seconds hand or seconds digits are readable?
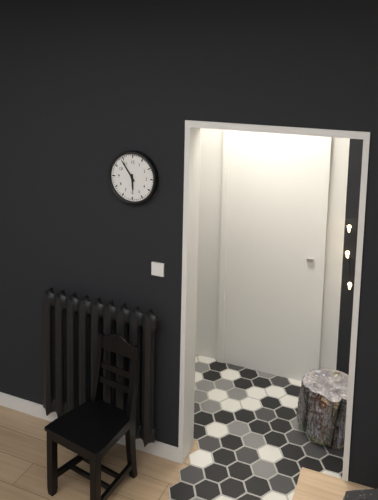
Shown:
5:54
